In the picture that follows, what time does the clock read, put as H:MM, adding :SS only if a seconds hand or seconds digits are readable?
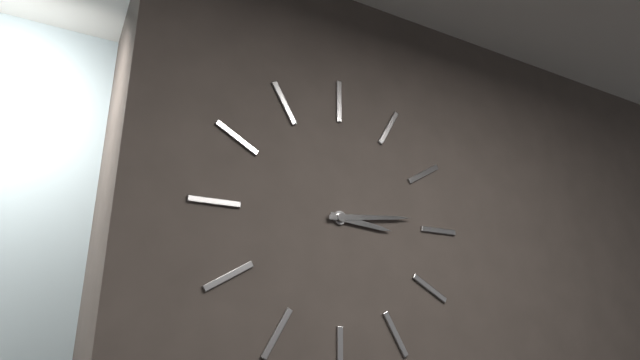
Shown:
3:14
